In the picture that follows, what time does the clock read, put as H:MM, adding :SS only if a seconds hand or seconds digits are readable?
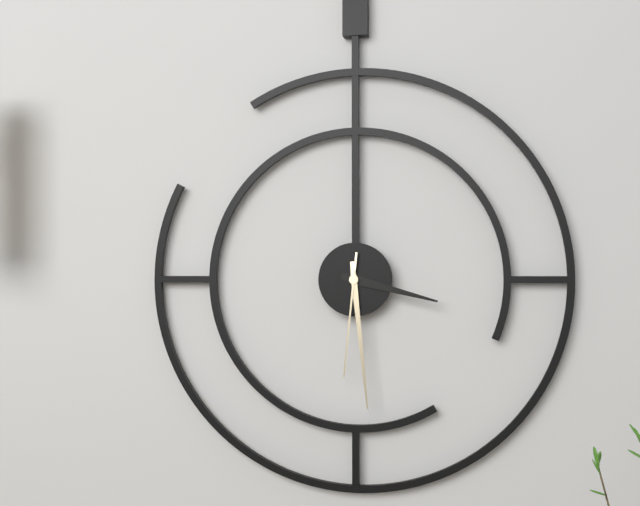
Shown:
3:29:31
